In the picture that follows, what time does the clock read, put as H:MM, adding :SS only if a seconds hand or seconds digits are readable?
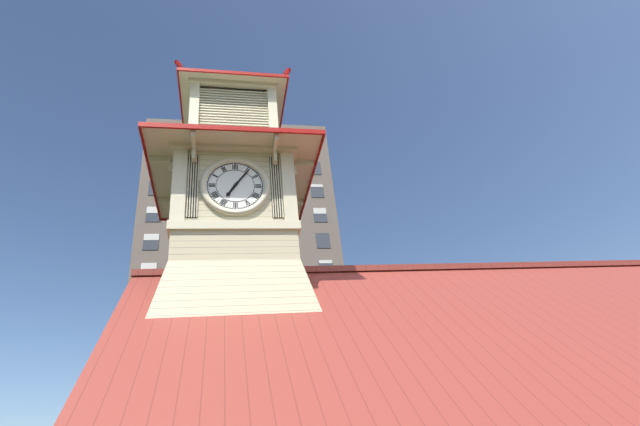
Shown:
7:06
